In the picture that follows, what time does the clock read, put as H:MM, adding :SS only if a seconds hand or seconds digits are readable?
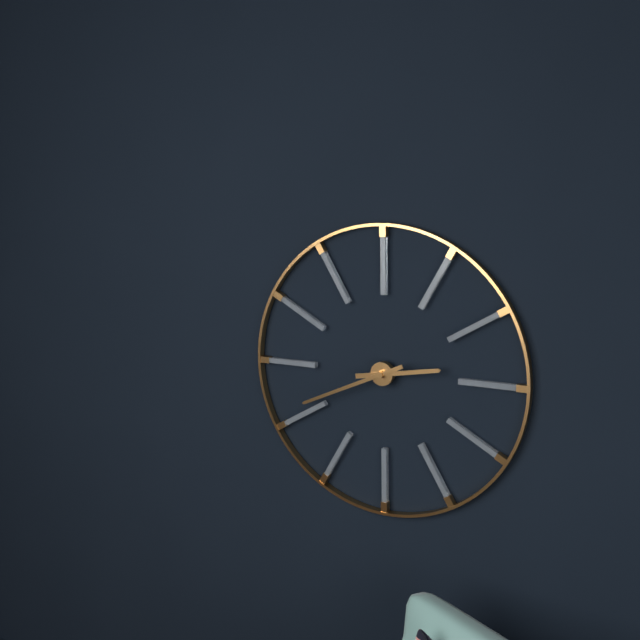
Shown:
2:41
